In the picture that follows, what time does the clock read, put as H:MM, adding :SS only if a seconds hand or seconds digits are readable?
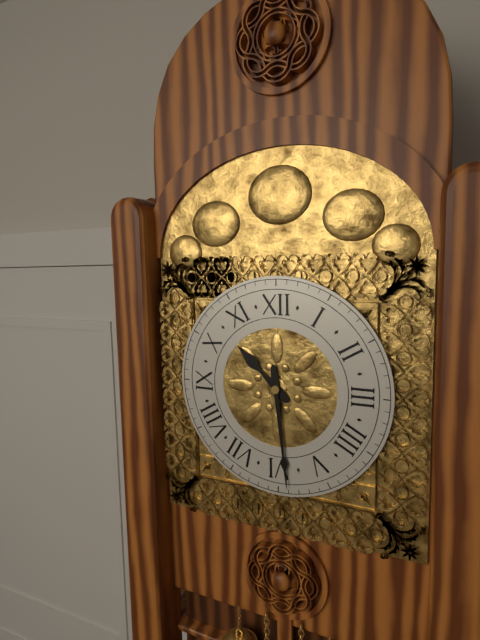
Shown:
10:29
